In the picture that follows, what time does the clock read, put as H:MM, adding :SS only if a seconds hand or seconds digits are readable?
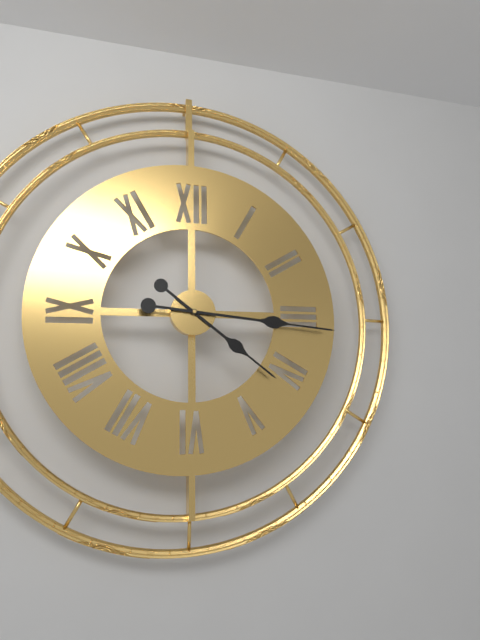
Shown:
4:16
